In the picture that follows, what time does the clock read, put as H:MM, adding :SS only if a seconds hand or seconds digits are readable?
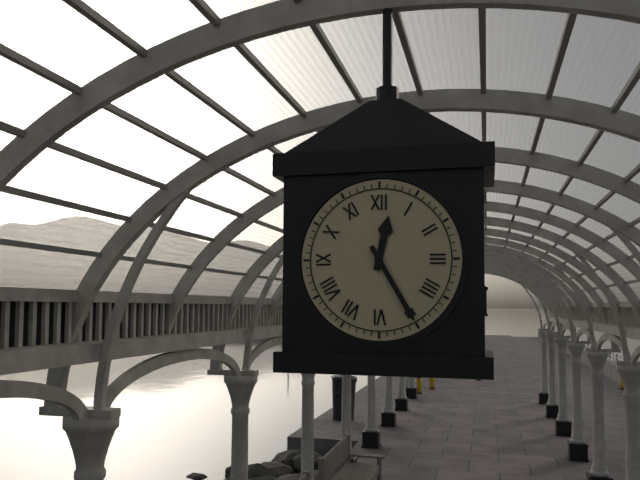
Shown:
12:25
